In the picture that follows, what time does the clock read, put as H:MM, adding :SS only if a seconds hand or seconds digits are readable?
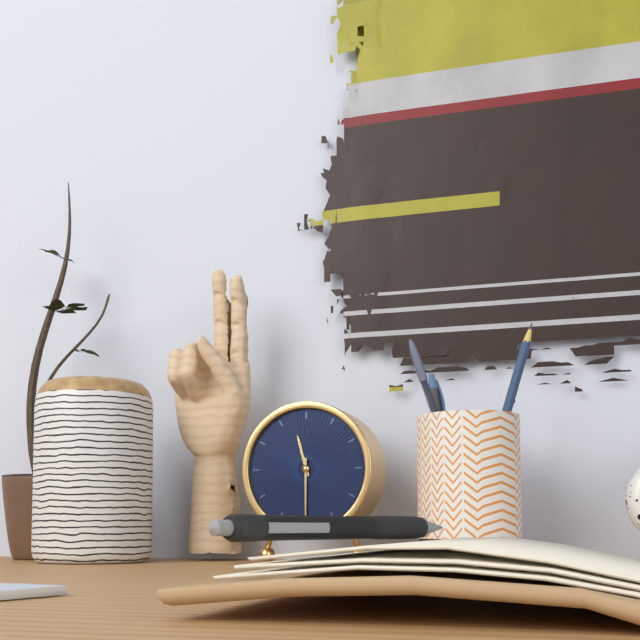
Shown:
11:30
